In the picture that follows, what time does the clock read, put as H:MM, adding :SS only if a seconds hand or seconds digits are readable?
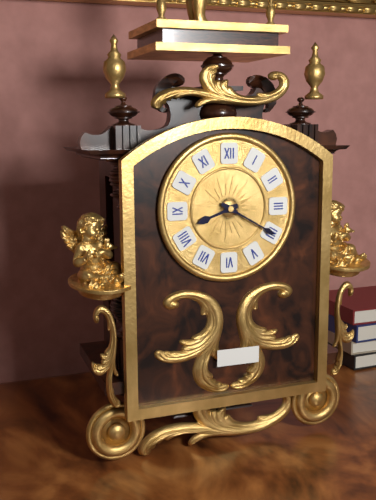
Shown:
8:20
